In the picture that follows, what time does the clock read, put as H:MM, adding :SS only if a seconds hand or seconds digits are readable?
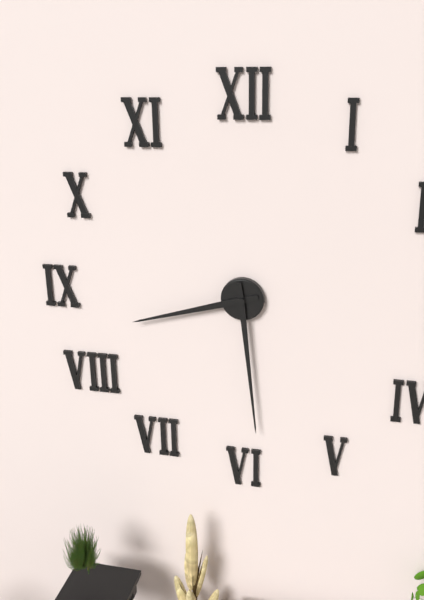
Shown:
8:29
